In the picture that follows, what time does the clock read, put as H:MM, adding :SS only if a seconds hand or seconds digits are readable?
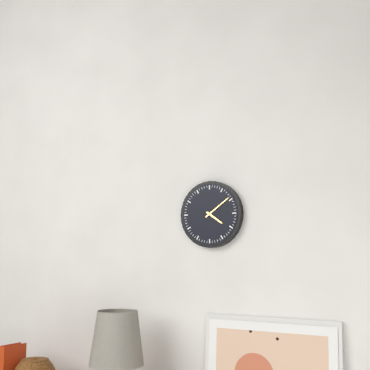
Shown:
4:09
